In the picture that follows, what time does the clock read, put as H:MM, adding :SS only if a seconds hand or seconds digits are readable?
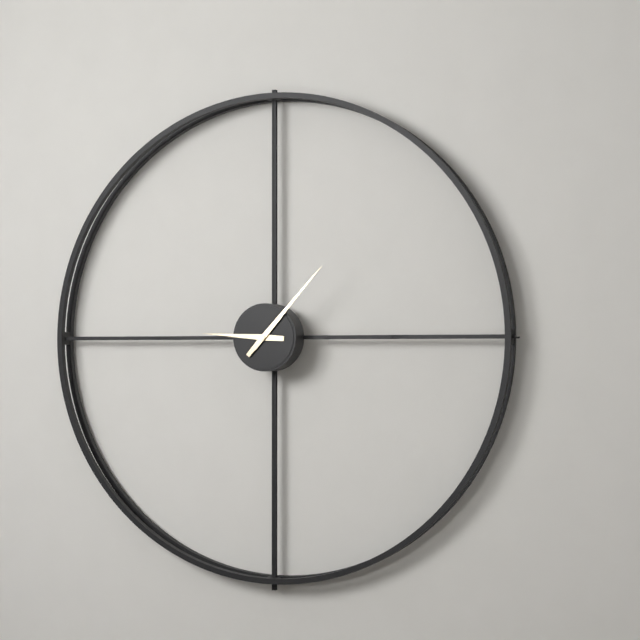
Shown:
9:07
